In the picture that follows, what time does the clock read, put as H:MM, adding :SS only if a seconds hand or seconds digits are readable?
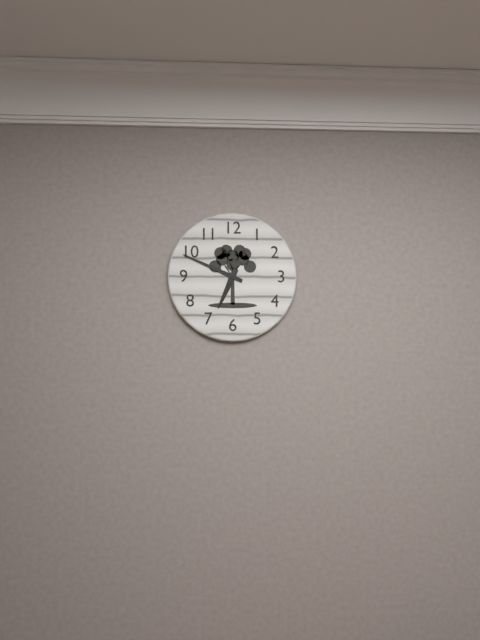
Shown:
6:49
